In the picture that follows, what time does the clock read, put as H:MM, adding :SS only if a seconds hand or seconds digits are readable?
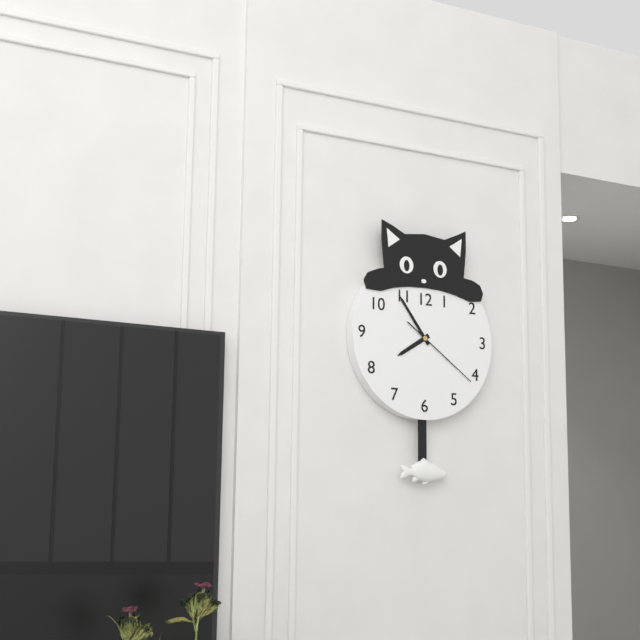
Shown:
7:54:21
